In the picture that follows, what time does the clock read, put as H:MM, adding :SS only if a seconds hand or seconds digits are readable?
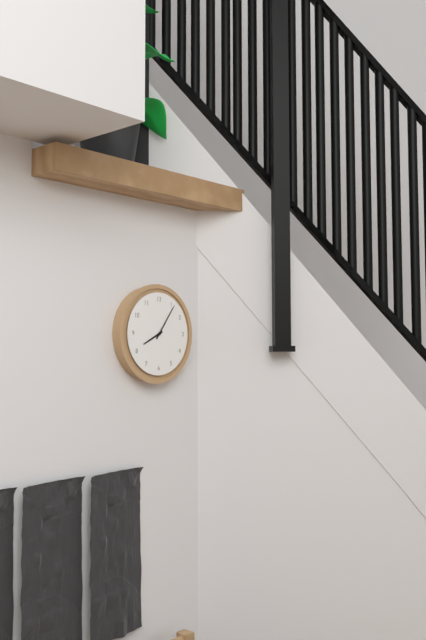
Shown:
8:06
